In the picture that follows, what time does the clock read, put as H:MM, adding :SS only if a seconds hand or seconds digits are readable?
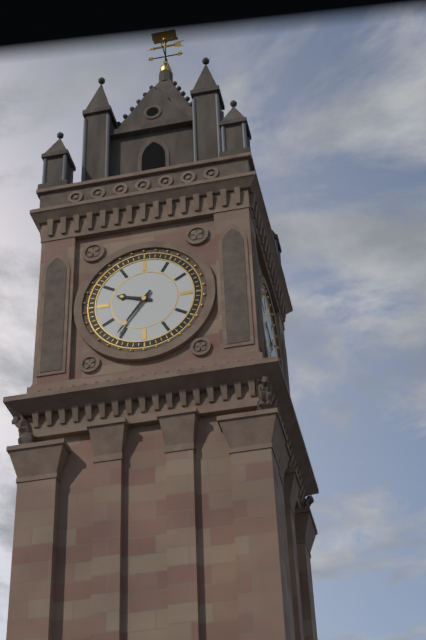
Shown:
9:36
